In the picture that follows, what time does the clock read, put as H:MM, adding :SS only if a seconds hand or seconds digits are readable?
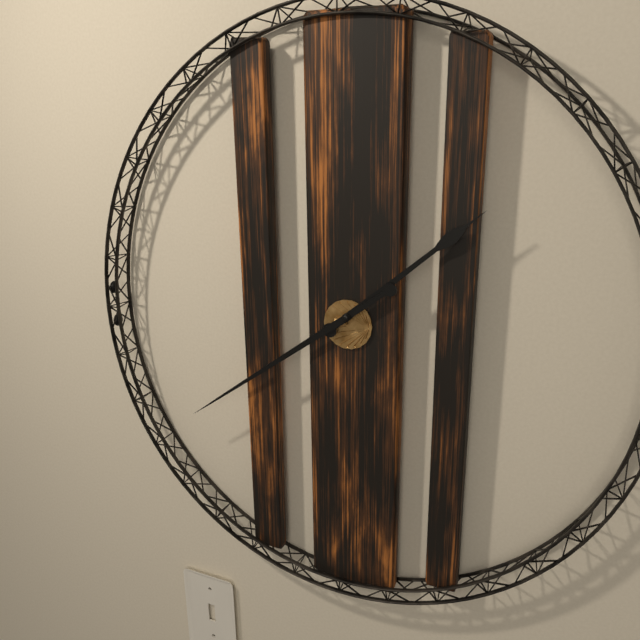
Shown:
1:39
